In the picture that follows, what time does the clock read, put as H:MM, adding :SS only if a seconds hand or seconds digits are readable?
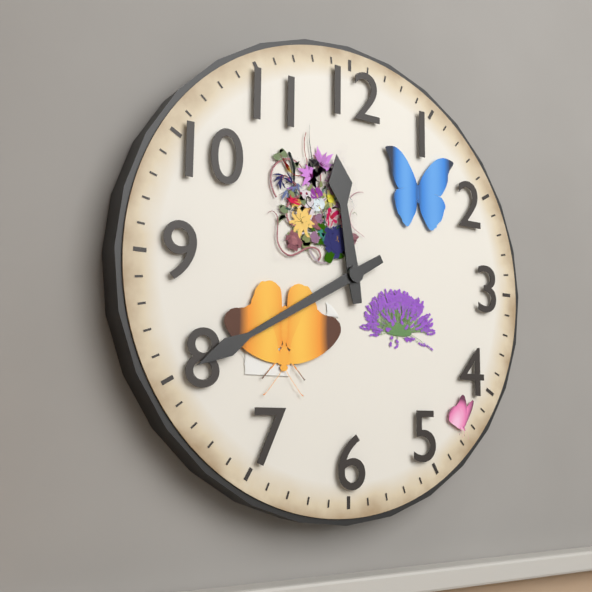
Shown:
11:40
